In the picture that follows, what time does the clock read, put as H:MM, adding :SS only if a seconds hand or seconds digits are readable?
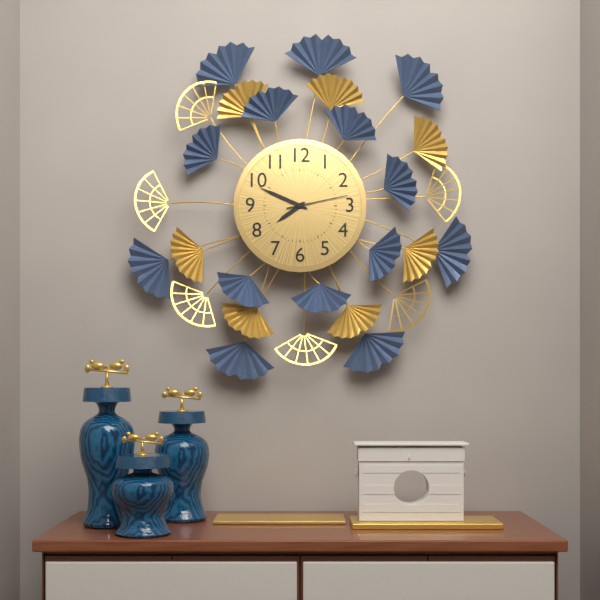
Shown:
7:49:13
